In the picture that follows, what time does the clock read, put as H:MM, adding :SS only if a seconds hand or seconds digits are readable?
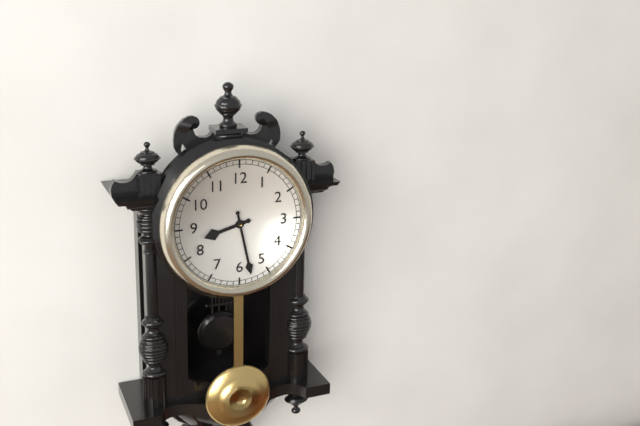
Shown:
8:28
